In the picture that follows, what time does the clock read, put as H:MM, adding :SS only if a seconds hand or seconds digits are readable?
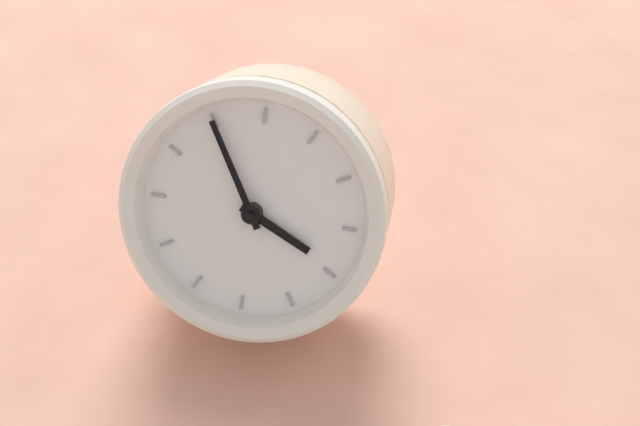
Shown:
2:50
